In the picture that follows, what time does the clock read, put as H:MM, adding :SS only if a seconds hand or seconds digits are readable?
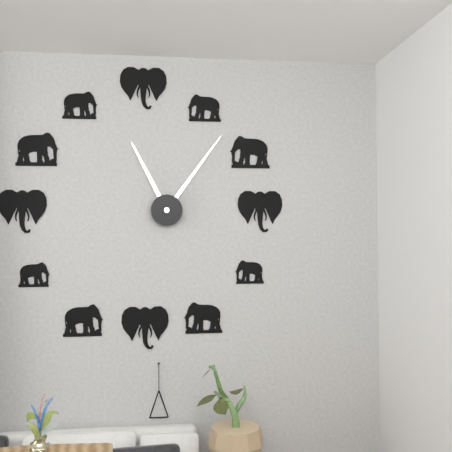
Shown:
11:06
